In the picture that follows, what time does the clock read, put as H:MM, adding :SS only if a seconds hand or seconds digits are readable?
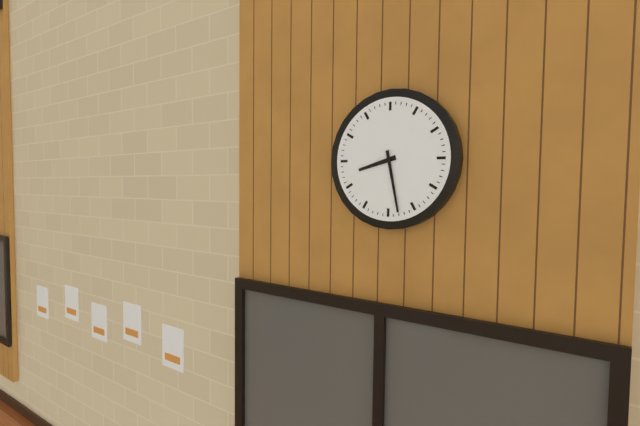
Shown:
8:28
